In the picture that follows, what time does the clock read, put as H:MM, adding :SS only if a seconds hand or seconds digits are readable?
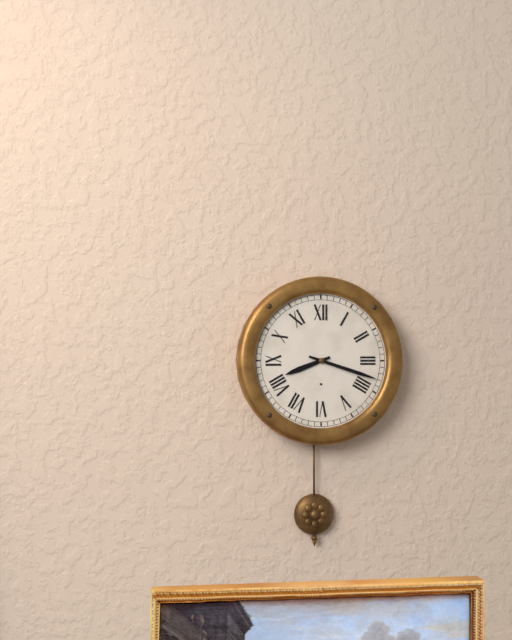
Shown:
8:18
